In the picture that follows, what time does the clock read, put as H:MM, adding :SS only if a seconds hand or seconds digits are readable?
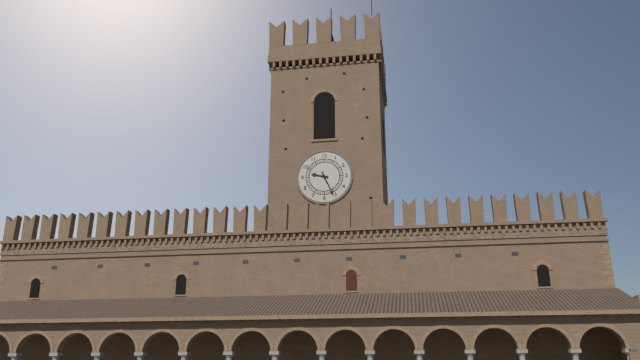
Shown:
9:26
